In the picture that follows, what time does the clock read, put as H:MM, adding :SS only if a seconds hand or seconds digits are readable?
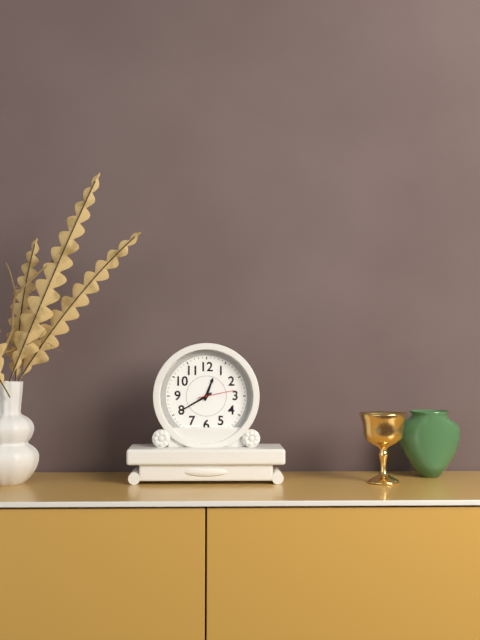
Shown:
12:40
